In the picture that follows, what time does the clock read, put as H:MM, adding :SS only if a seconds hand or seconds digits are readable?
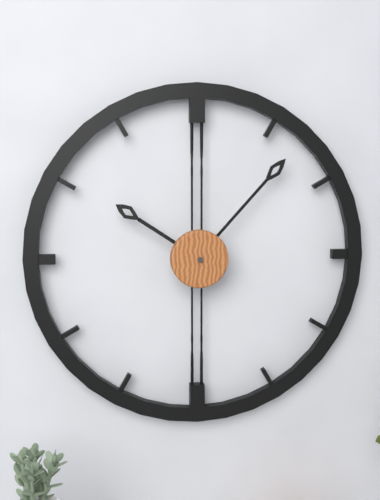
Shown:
10:07
